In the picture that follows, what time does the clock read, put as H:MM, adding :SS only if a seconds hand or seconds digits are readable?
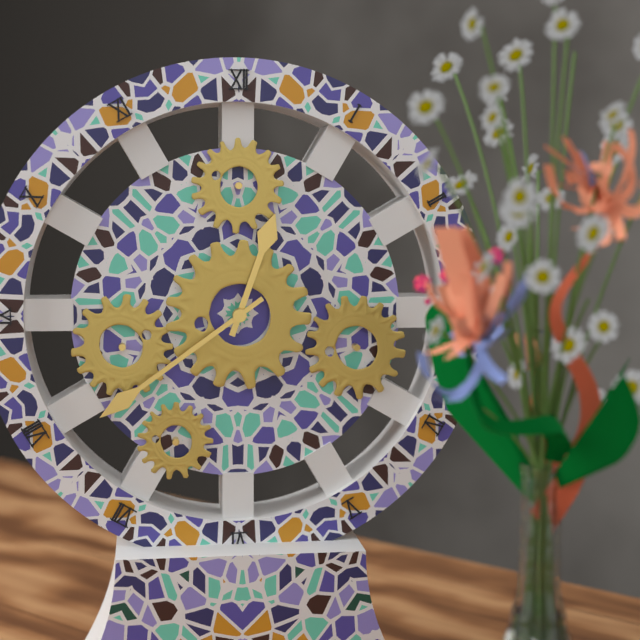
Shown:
12:39
